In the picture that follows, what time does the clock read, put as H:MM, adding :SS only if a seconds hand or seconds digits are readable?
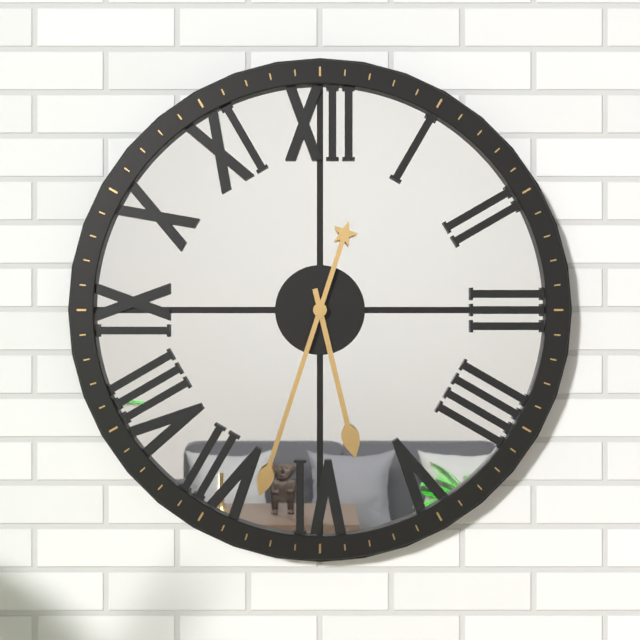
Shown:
5:33
